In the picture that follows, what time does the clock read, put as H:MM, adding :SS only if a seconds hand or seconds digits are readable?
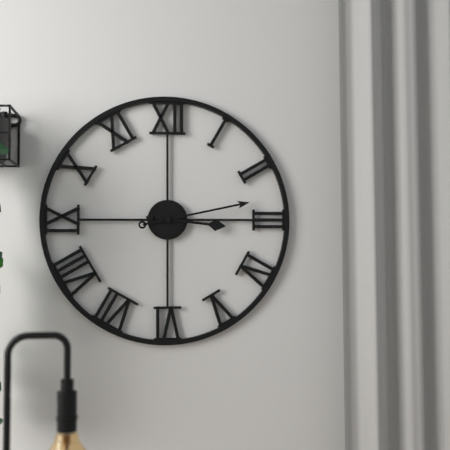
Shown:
3:13
